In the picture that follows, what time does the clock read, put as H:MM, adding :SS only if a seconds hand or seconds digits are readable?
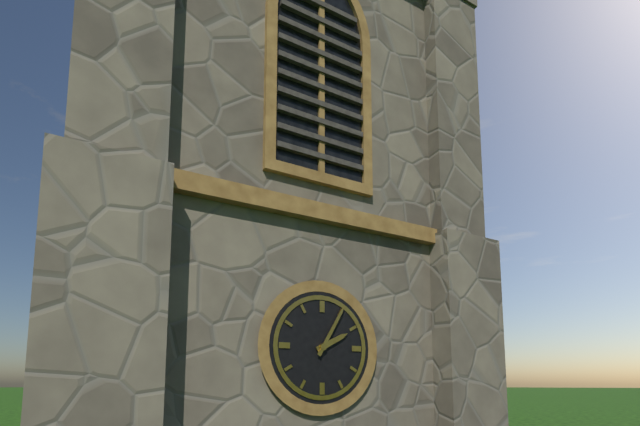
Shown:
2:05
